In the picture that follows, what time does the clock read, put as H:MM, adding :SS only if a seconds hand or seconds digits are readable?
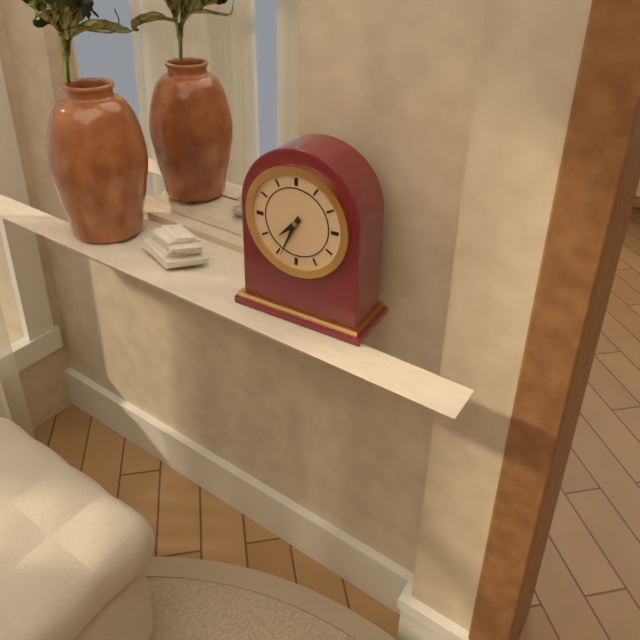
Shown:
7:34
